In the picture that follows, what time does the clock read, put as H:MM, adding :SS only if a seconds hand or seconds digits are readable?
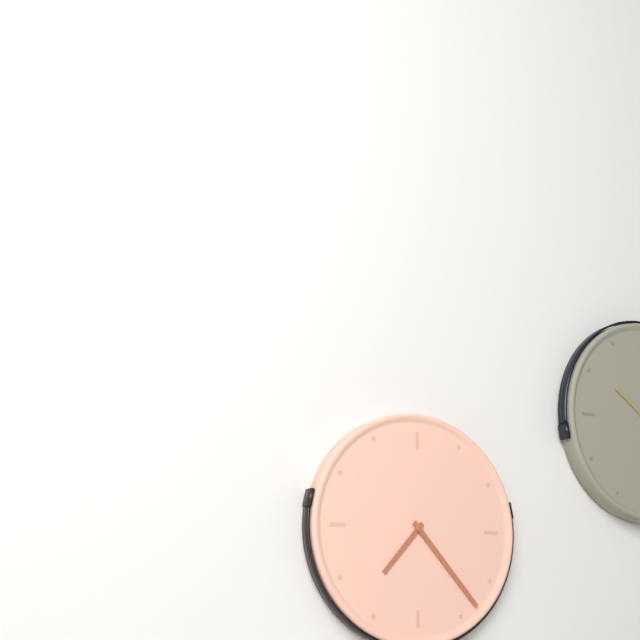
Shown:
7:23
